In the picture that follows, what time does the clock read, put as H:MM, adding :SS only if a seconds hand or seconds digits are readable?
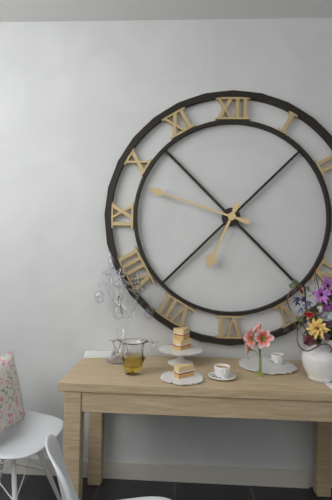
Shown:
6:48
